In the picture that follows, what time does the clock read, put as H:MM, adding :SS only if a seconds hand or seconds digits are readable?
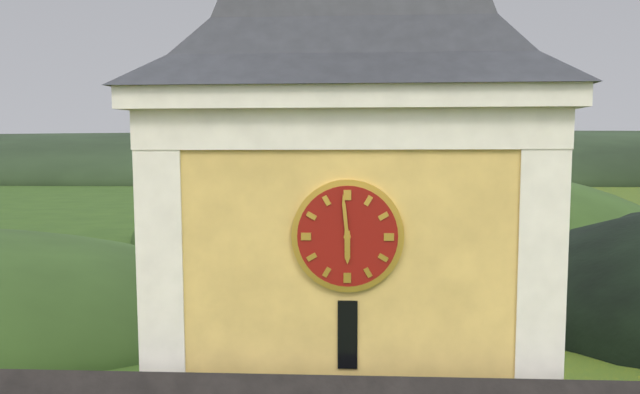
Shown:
5:59
